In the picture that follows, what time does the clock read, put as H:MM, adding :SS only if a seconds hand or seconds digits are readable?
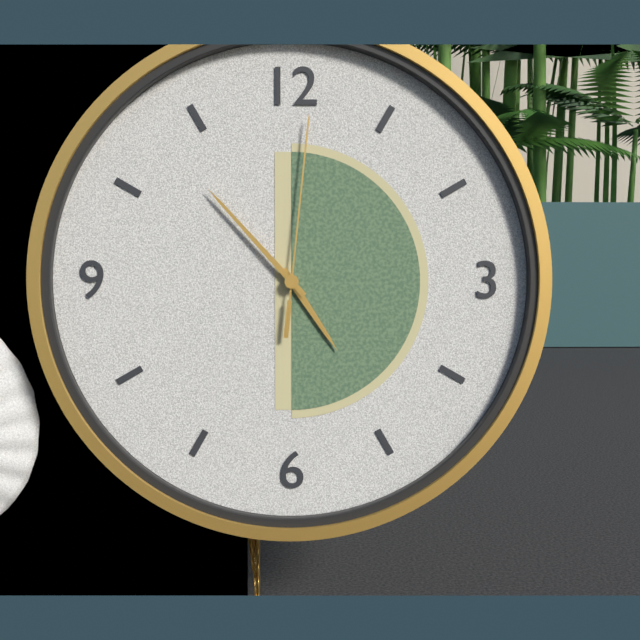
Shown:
4:53:01
